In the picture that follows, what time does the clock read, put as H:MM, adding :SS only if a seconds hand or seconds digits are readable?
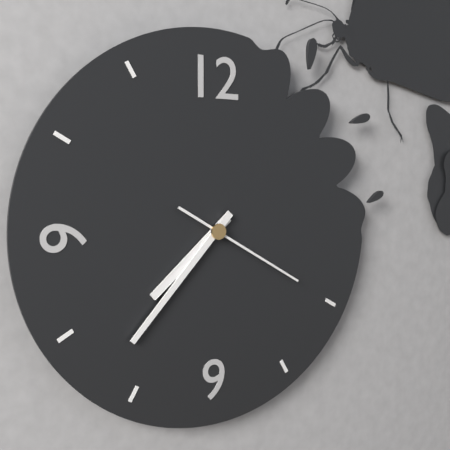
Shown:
7:37:20
